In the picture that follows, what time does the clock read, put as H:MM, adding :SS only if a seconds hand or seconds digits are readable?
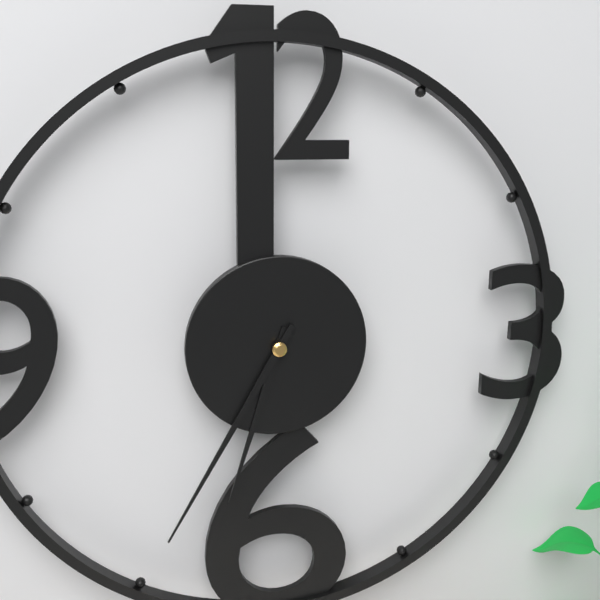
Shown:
6:35
